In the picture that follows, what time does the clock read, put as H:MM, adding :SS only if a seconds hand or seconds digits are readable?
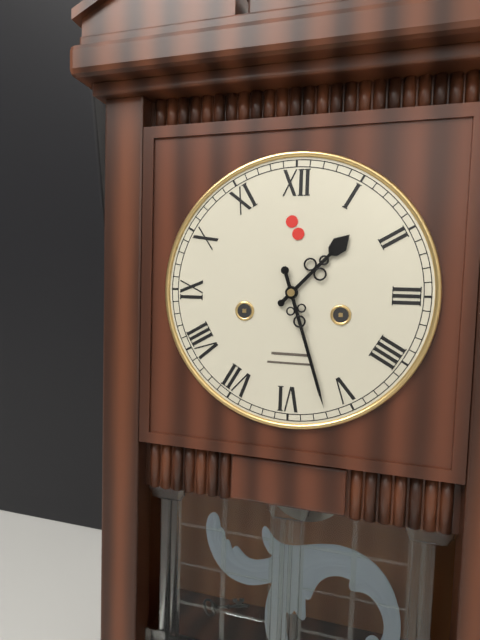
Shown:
1:27
